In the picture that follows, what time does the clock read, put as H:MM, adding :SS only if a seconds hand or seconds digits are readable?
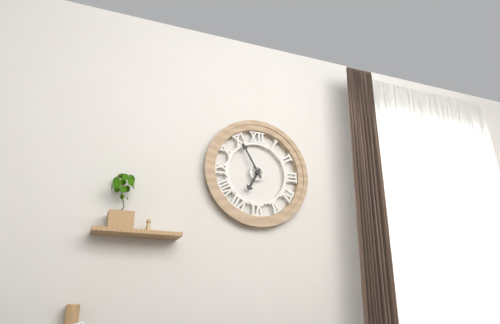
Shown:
6:55
